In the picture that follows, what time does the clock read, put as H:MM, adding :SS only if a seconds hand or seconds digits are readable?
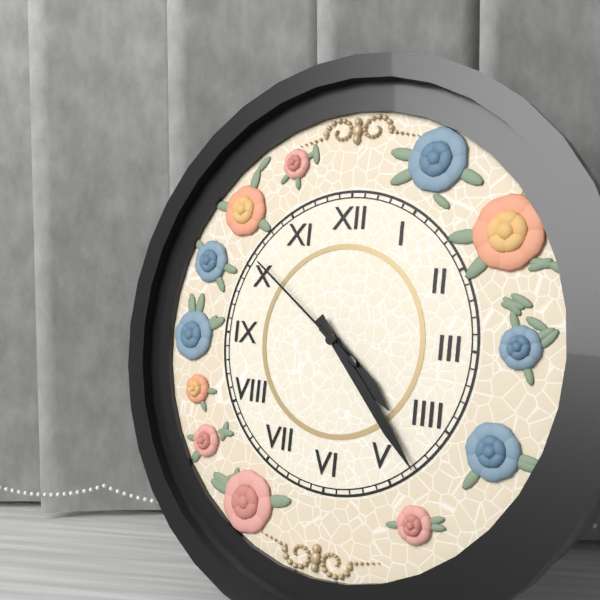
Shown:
4:23:51
